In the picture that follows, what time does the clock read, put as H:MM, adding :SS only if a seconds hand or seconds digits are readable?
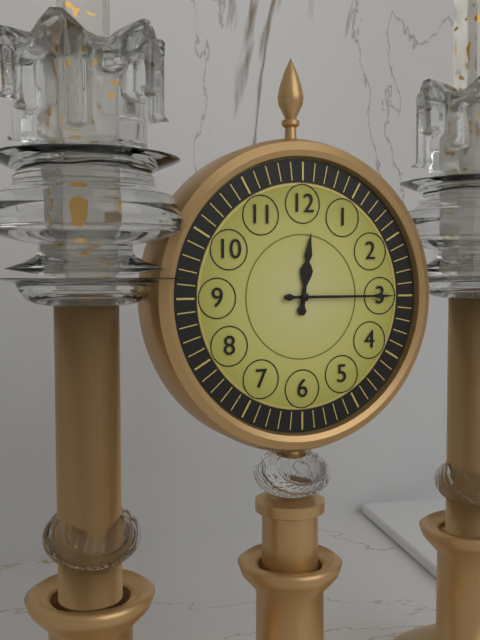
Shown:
12:15
